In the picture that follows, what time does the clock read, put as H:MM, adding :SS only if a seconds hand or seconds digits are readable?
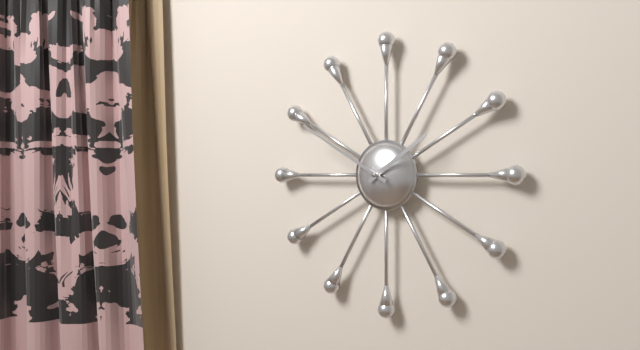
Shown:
1:50
